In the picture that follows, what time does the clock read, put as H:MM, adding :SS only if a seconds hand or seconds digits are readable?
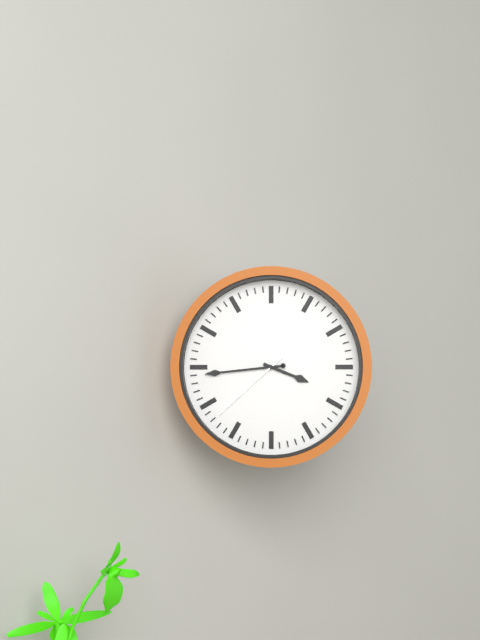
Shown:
3:44:38
